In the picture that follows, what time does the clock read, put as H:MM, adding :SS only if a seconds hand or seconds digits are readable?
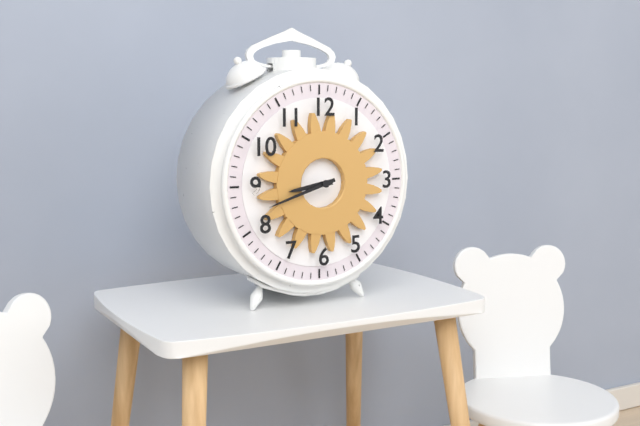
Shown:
8:42
